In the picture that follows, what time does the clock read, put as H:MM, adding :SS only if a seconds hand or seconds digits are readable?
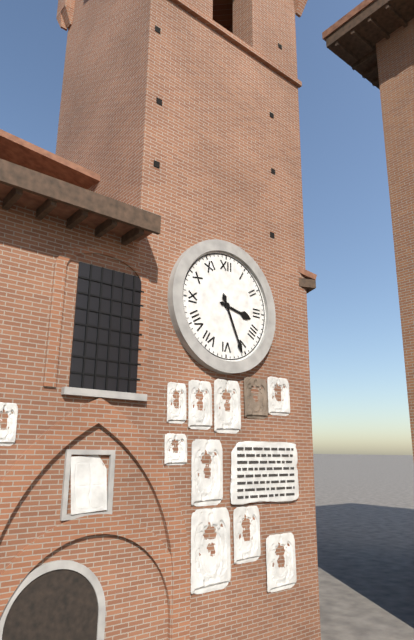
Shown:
3:26
